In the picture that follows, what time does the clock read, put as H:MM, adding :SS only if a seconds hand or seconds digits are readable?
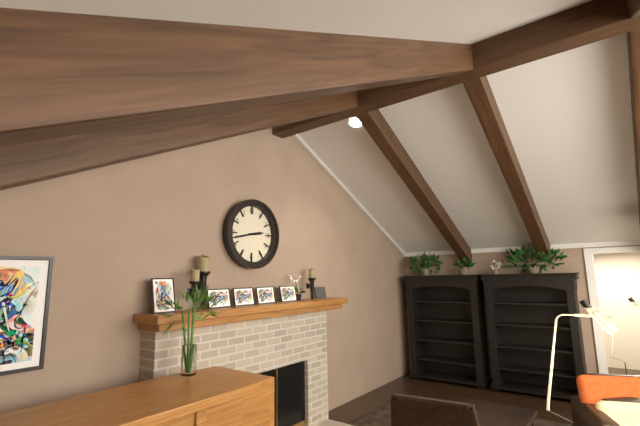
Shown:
2:43
